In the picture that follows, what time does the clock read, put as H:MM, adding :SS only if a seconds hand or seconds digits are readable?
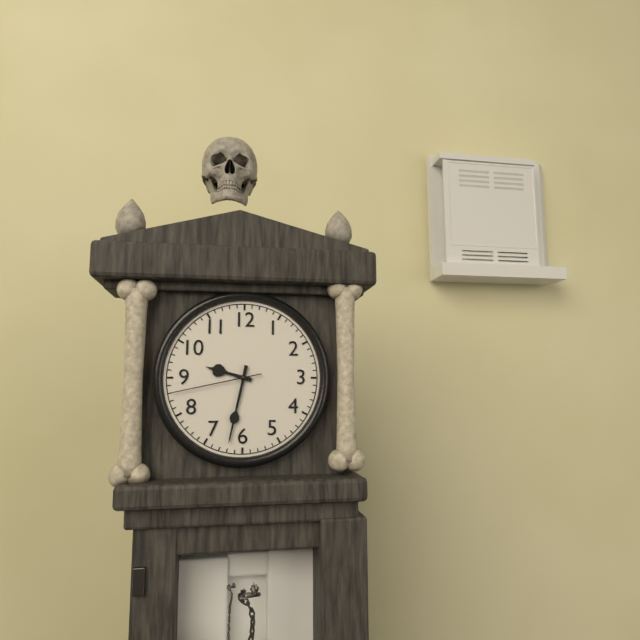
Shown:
9:32:43
